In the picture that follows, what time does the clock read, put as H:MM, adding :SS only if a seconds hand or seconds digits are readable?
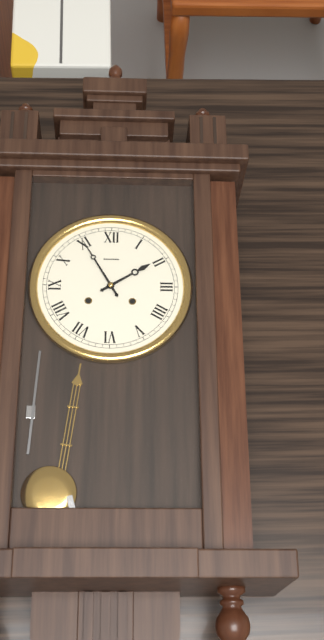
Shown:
1:55
